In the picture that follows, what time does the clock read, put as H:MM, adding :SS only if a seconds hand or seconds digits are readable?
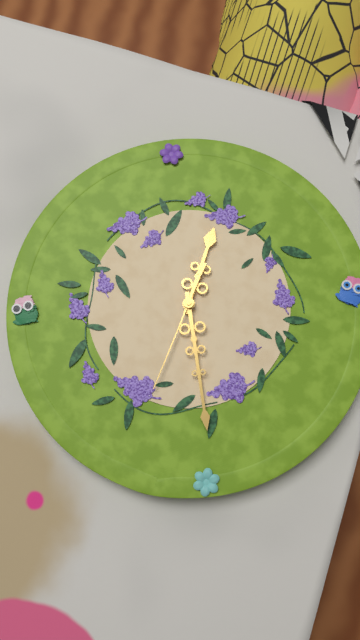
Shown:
12:28:33
